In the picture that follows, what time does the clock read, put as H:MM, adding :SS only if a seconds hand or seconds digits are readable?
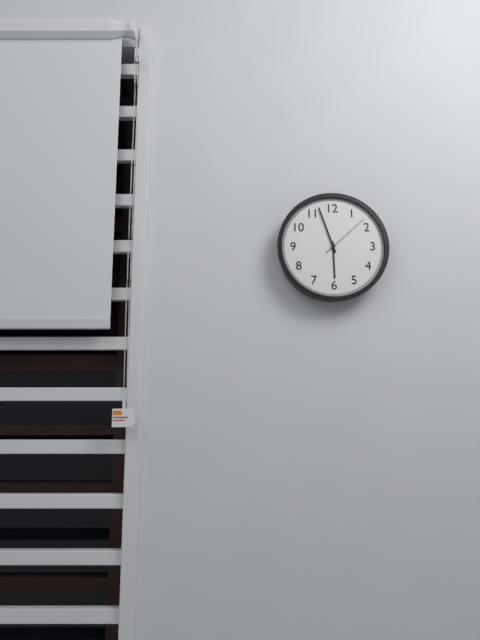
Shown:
5:57:08
